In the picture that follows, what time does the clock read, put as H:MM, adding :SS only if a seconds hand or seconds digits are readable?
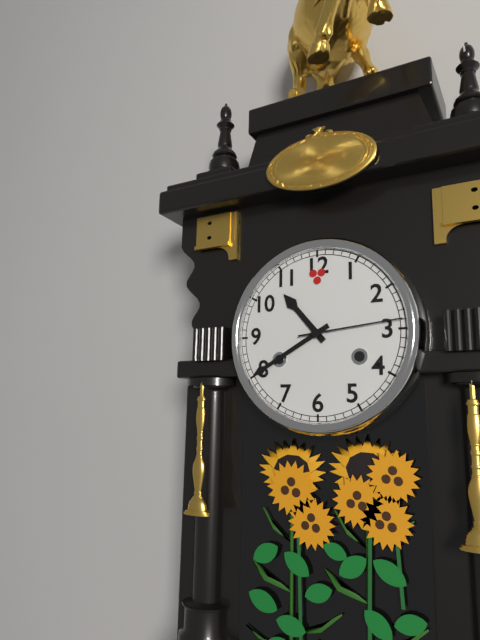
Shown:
10:40:14
